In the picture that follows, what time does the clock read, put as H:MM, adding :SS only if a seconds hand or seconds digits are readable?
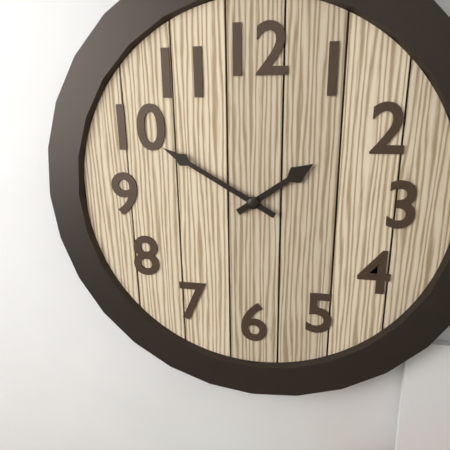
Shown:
1:50
